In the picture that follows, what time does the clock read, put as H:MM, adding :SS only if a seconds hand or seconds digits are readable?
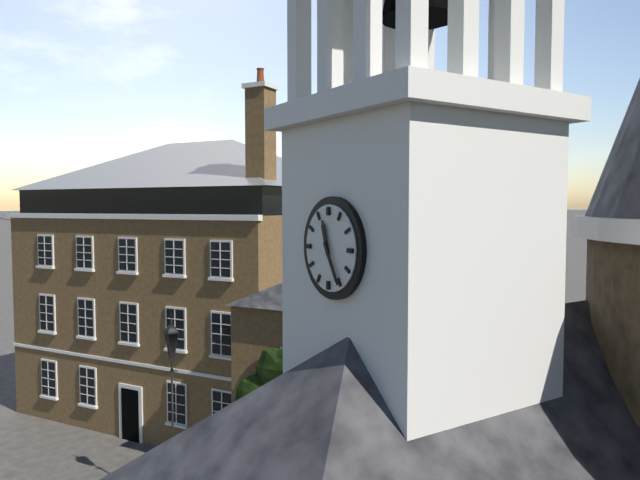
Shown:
11:25
